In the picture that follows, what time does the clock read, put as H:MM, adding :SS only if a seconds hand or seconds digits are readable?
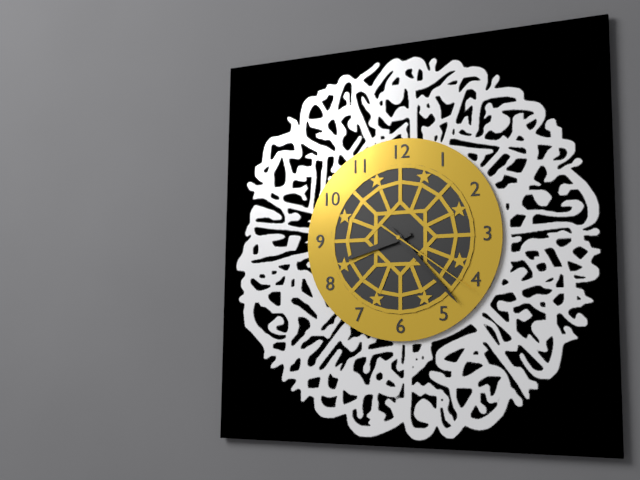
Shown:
8:23:21
